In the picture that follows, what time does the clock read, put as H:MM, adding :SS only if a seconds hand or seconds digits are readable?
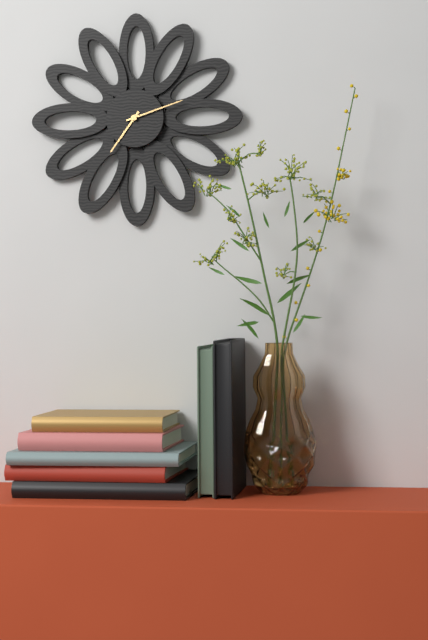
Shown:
7:12
